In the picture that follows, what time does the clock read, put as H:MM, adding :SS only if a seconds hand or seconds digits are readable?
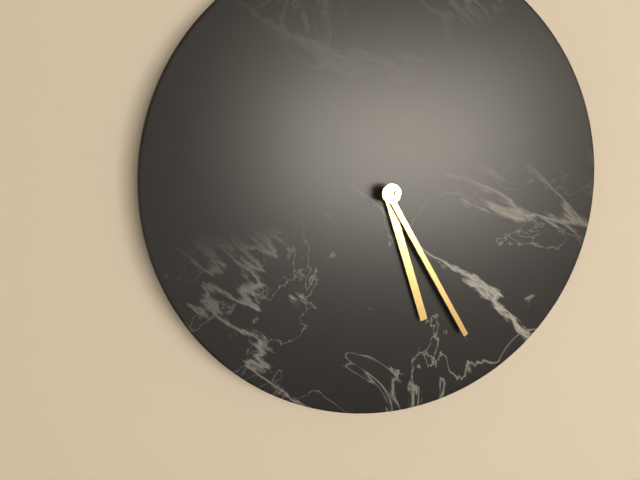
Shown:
5:25
